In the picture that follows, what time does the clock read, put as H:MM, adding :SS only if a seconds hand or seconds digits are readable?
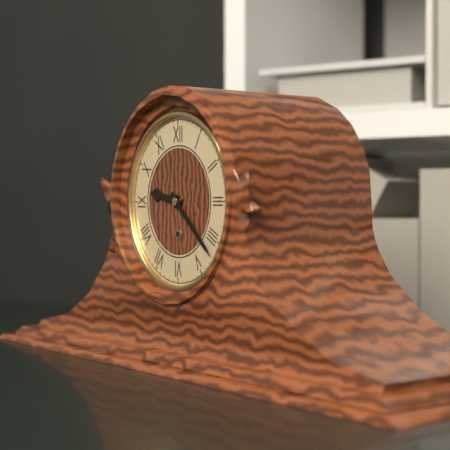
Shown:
9:22
